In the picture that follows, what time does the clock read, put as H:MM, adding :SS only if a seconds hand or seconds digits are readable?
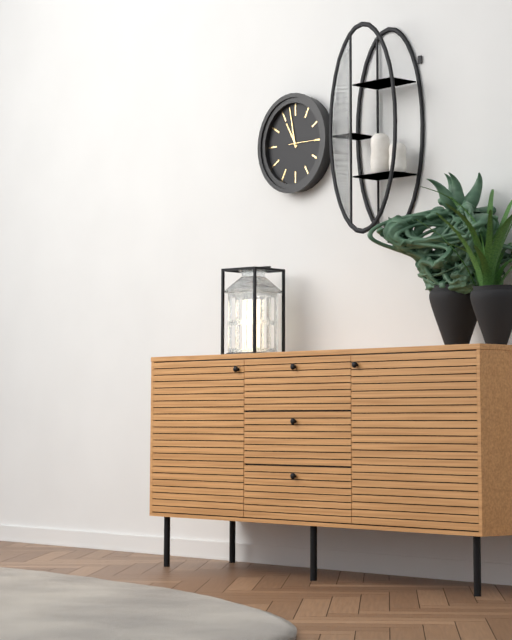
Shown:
10:58
